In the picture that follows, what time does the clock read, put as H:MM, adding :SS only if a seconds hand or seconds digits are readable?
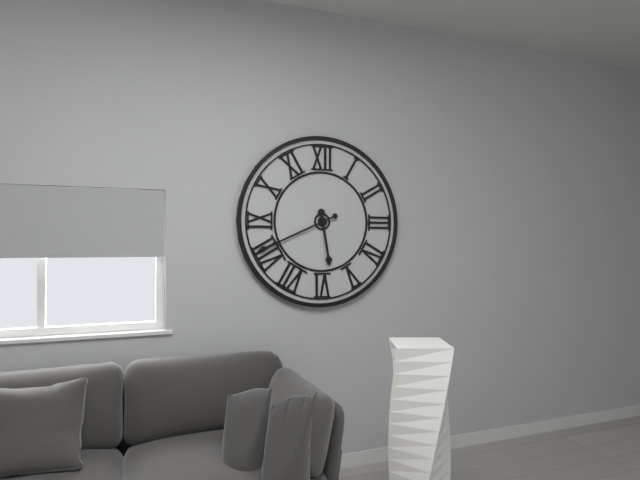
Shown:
5:41
